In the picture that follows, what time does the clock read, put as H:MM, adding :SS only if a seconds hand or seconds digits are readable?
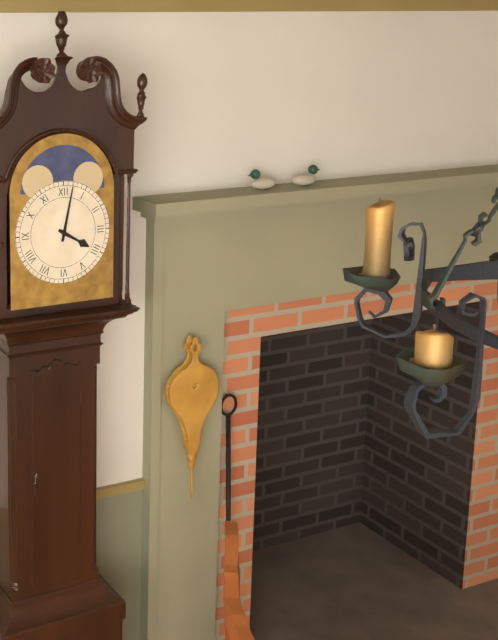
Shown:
4:02
